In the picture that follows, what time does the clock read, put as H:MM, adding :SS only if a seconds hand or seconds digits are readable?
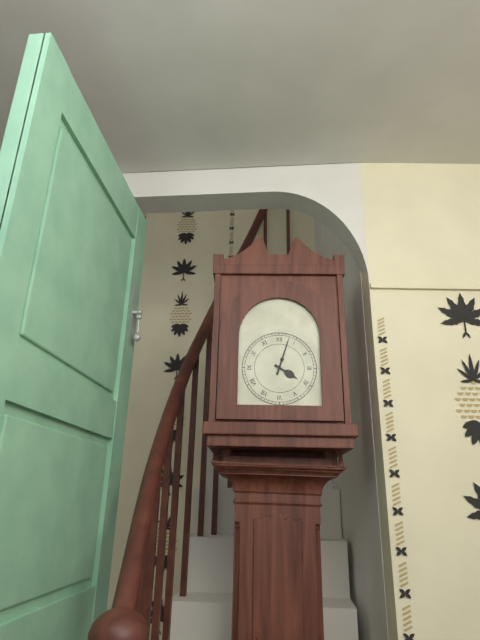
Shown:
4:03
